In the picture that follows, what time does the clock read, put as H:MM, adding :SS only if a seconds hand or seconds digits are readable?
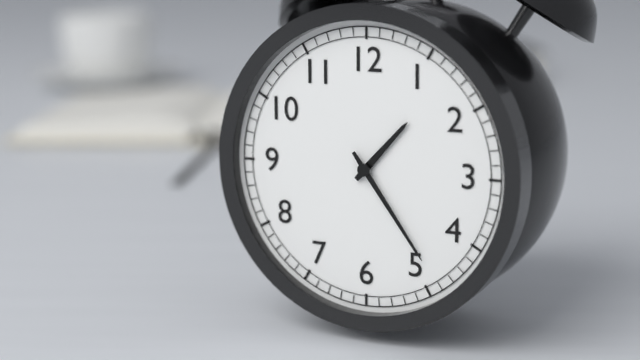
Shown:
1:24
